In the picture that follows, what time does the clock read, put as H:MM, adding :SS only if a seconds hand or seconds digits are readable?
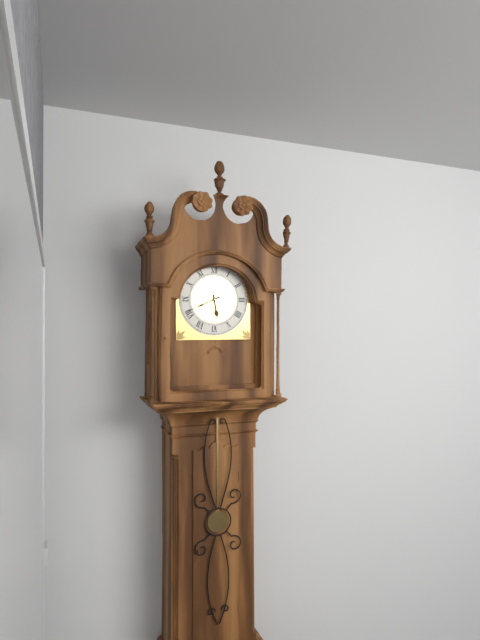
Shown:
5:41
